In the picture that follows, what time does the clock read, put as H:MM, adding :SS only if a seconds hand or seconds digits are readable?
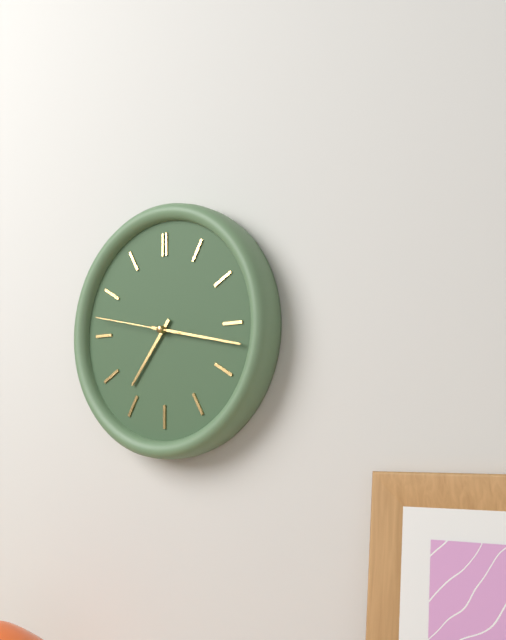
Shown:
7:17:47
